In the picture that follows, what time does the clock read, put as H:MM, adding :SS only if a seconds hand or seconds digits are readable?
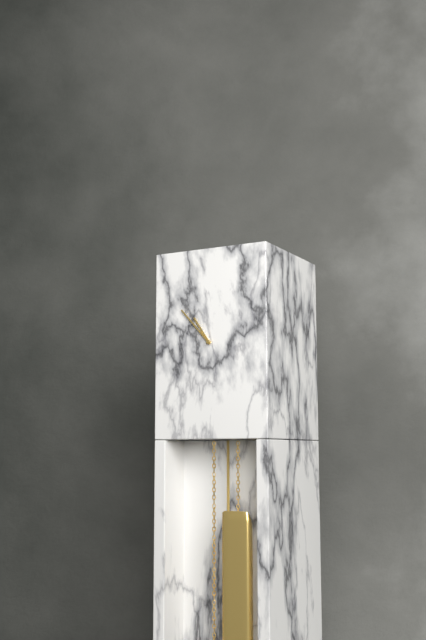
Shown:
10:53
